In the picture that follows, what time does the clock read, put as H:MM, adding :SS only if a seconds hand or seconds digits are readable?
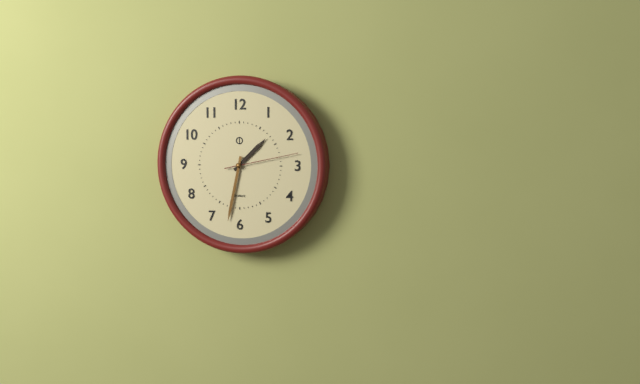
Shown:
1:32:13
